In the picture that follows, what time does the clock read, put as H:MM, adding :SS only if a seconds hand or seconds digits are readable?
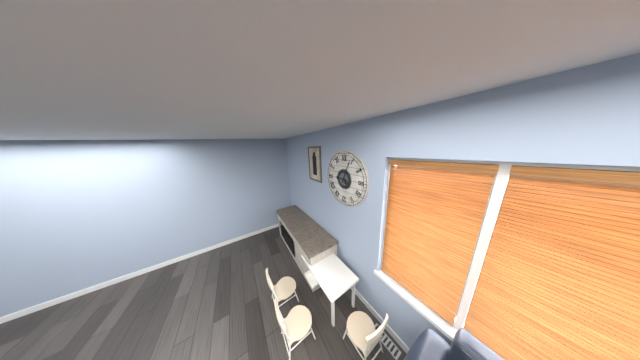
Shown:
9:04
